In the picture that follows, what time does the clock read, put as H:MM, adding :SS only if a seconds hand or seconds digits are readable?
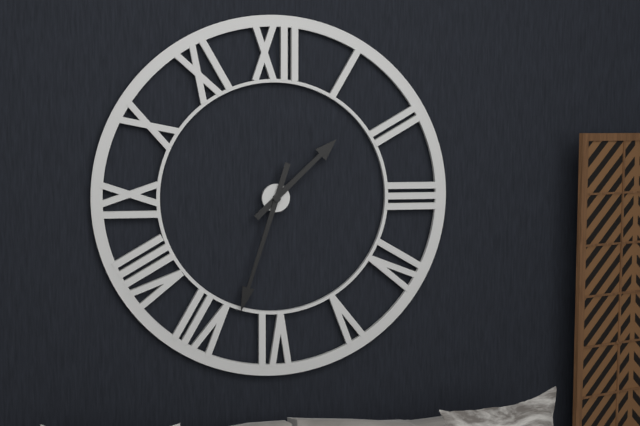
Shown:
1:33
